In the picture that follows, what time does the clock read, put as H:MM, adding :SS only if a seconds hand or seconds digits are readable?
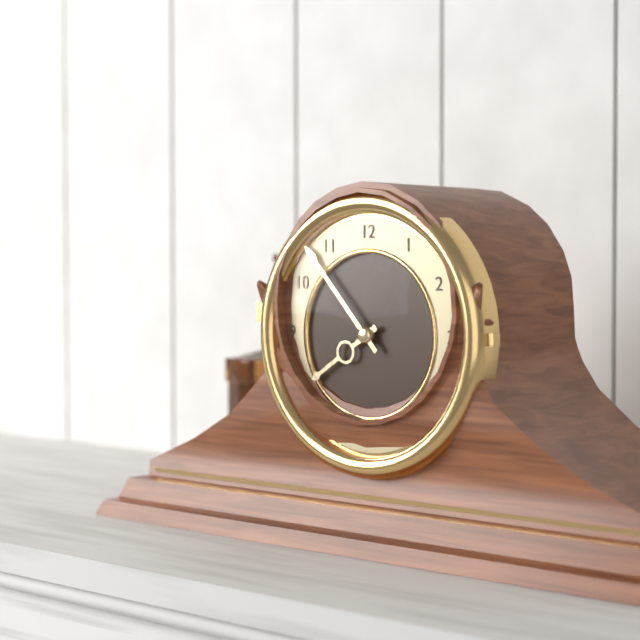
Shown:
7:53
